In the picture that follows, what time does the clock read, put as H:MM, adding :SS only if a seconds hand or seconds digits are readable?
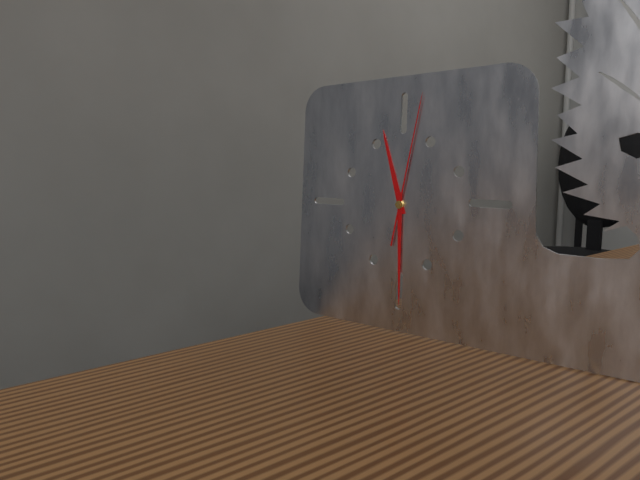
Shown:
11:30:02
